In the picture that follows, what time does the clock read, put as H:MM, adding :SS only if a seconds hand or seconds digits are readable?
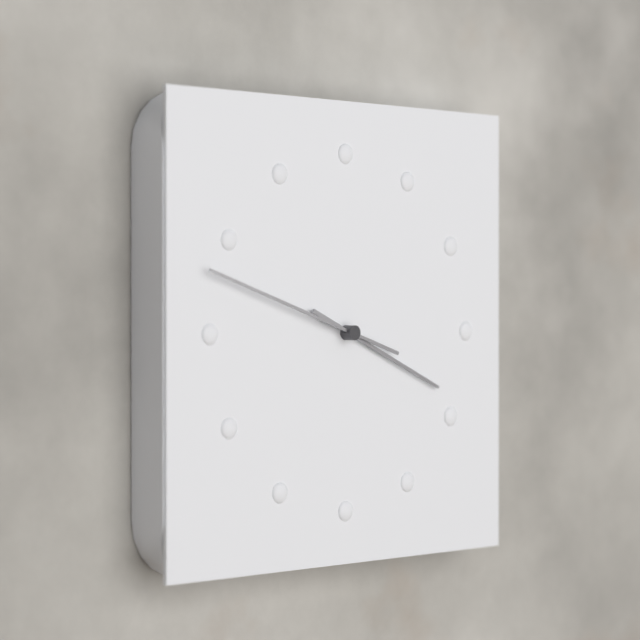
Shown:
3:48
